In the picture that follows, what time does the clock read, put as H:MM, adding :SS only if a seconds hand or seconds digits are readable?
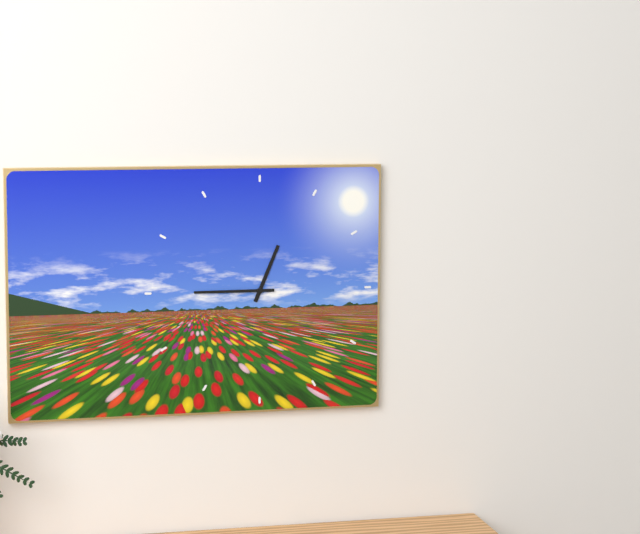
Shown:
12:45
